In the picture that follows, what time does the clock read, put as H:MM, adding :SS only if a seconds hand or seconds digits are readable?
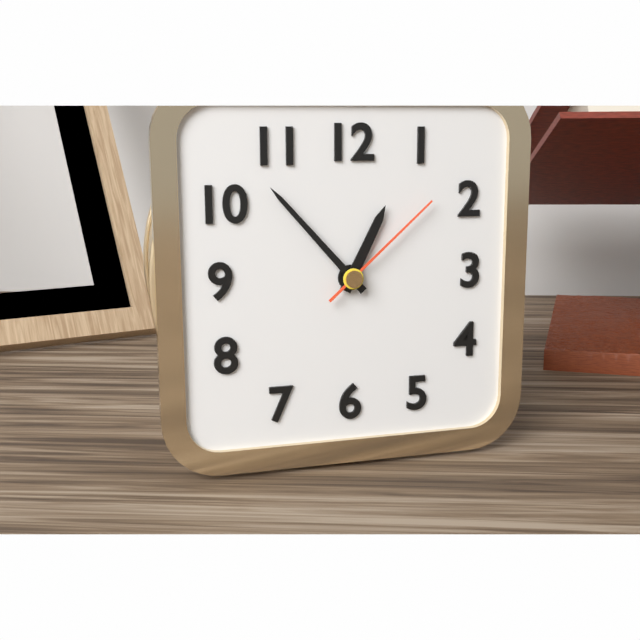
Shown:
12:53:08
